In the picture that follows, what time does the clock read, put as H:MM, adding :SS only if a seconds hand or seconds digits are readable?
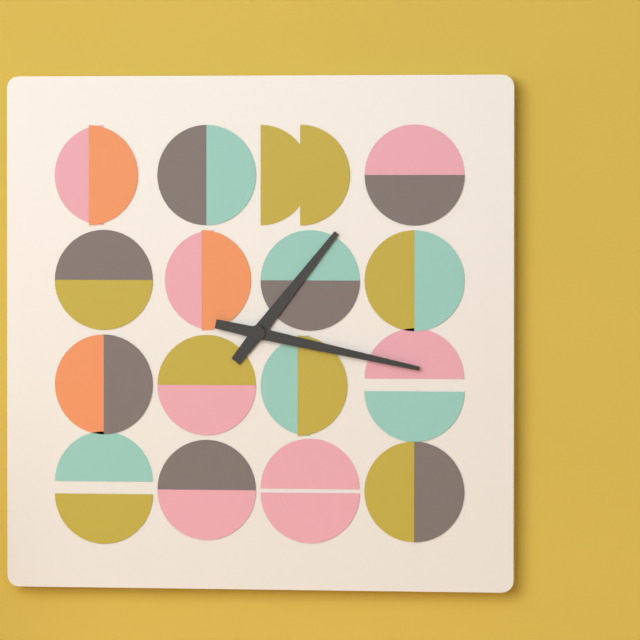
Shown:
1:17
